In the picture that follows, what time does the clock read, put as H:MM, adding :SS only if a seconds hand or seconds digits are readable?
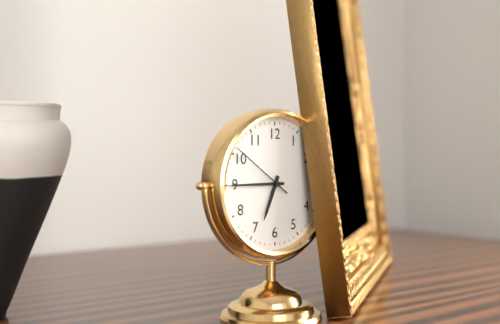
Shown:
6:45:51
